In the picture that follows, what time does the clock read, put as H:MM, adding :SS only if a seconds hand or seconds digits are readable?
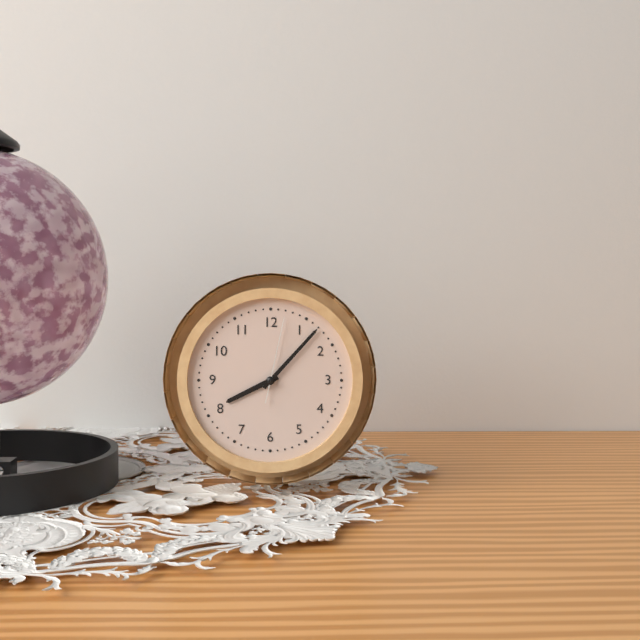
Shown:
8:07:02
